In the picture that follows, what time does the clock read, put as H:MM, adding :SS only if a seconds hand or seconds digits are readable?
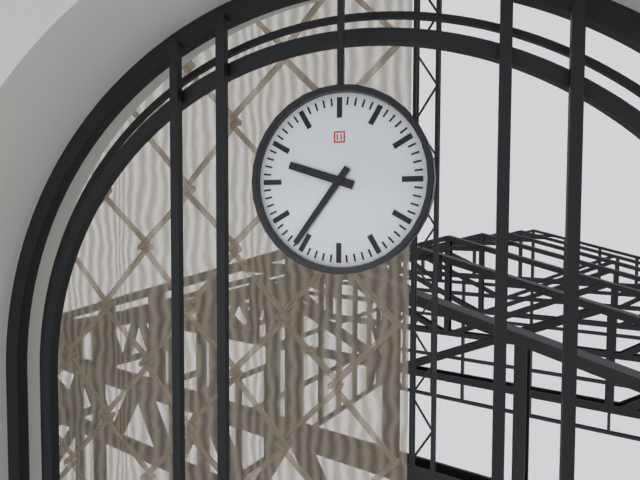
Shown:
9:36
